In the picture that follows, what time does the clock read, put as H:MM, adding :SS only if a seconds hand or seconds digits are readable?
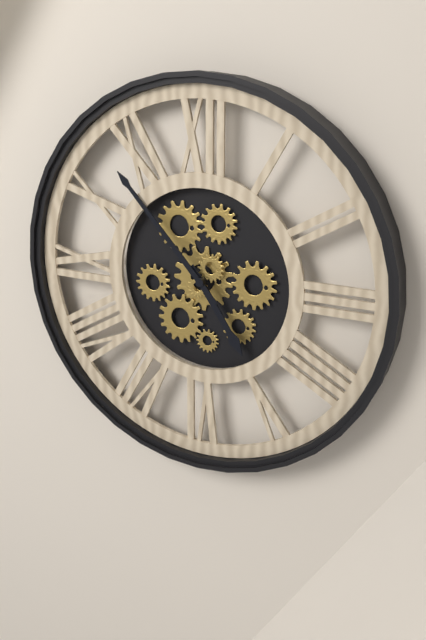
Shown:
4:53
